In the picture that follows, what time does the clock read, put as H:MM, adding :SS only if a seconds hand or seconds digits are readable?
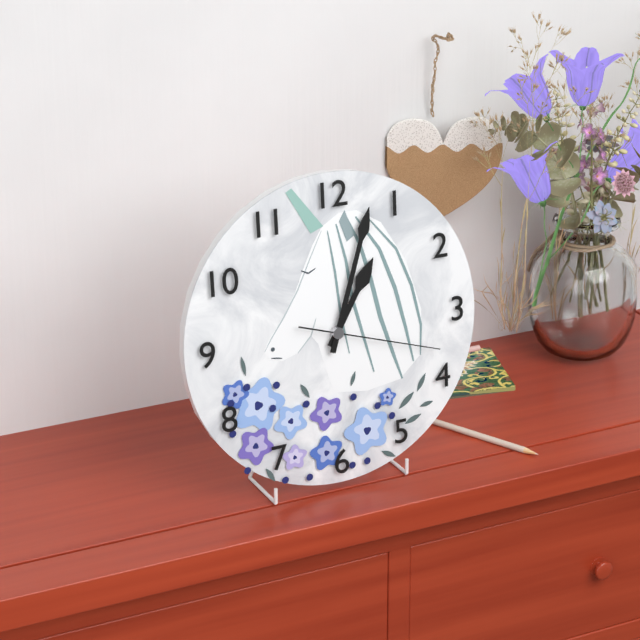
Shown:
1:03:18
